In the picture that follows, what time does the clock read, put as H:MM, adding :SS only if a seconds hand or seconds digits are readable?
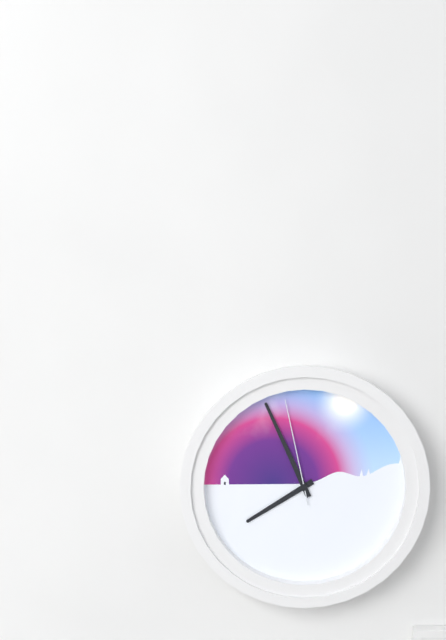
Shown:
7:56:58
